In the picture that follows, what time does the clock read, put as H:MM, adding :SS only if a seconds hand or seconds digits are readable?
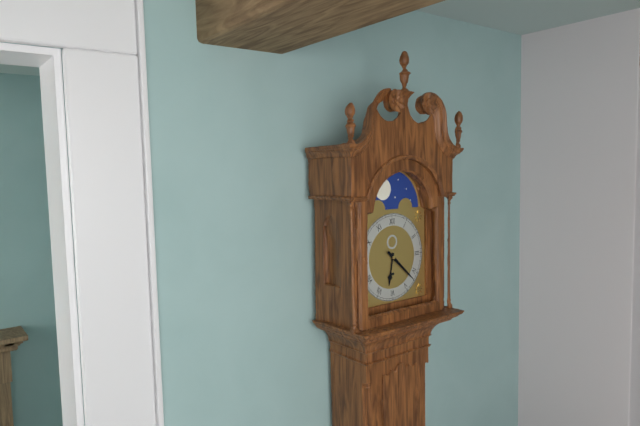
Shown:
6:22
